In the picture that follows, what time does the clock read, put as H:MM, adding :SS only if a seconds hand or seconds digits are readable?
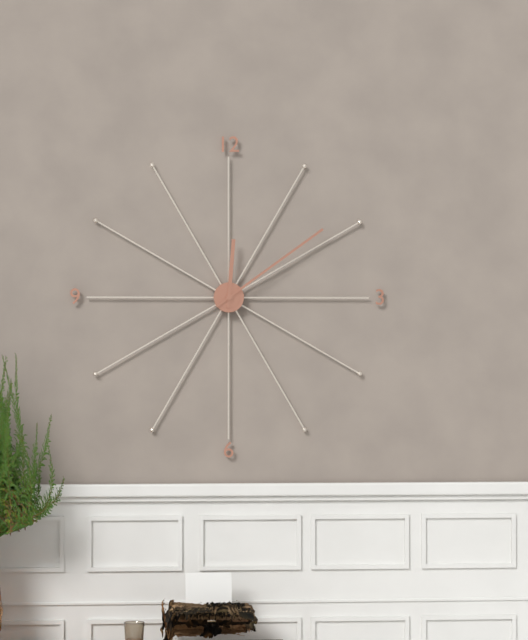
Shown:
12:09
